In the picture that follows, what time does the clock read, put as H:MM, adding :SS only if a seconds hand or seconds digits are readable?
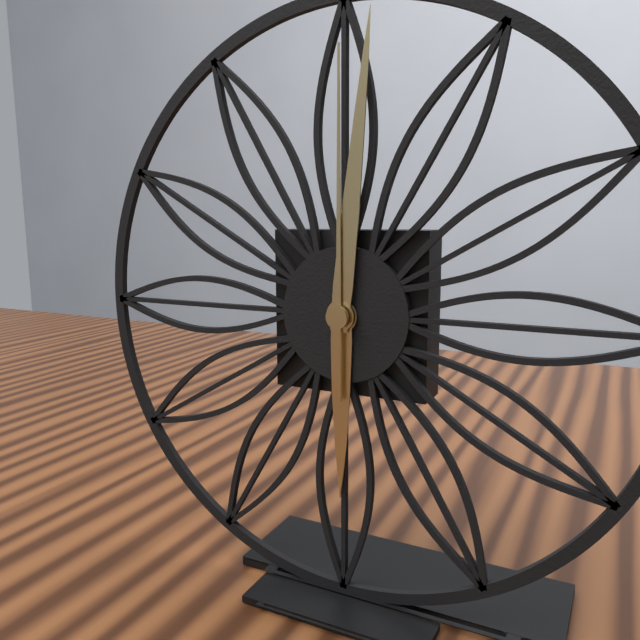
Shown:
6:01:00
